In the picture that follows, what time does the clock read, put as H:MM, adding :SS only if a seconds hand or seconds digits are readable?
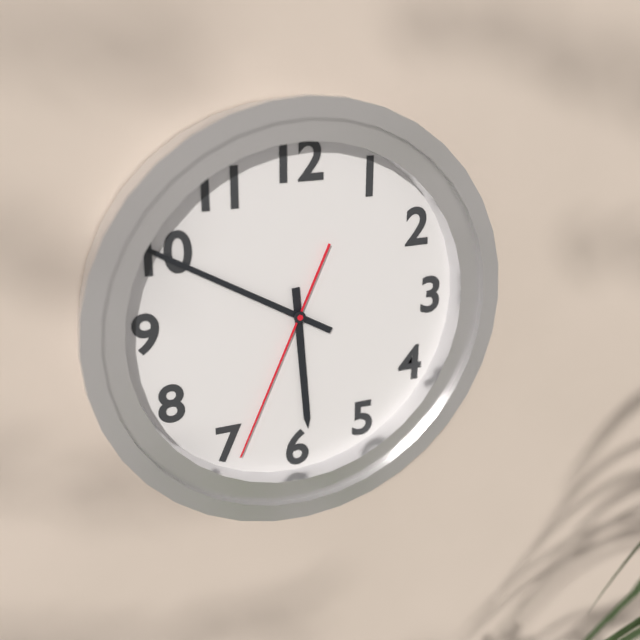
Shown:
5:50:34
